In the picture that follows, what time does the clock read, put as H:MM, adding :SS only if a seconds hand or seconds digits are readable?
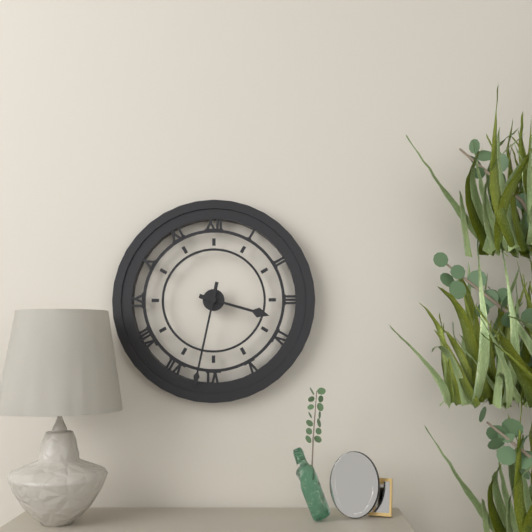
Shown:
3:32
